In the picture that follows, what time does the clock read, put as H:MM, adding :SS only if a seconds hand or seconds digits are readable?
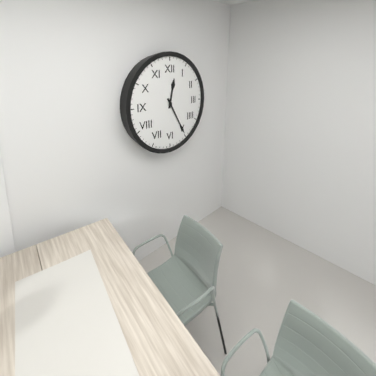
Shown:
12:25
